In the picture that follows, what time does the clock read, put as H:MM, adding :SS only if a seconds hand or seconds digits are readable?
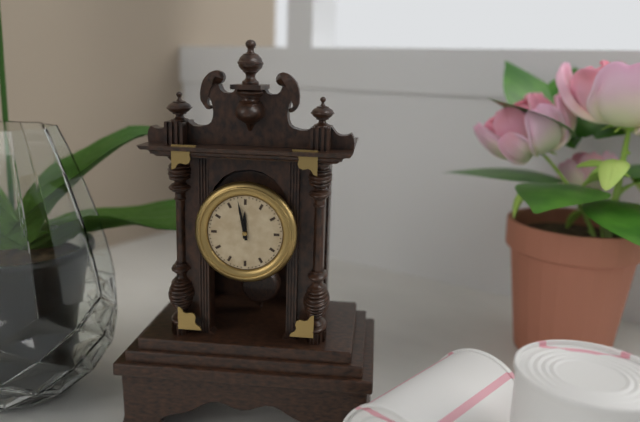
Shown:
11:58
